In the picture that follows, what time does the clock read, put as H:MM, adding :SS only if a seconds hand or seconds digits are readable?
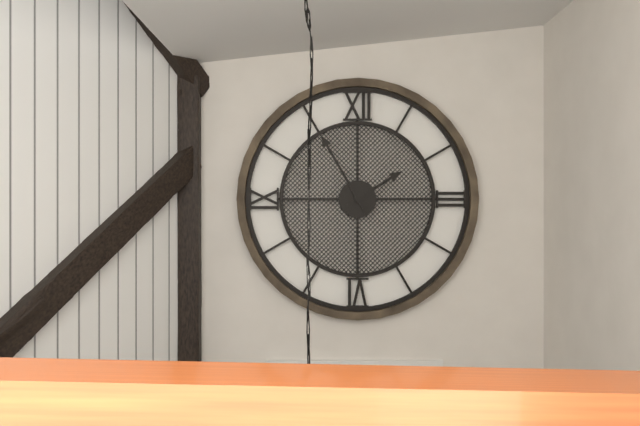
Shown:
1:55
